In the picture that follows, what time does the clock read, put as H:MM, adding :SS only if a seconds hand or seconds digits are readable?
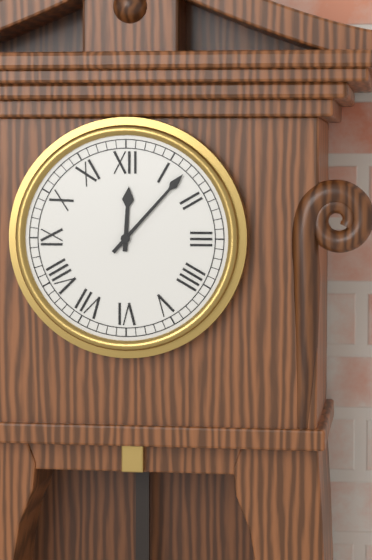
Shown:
12:07
